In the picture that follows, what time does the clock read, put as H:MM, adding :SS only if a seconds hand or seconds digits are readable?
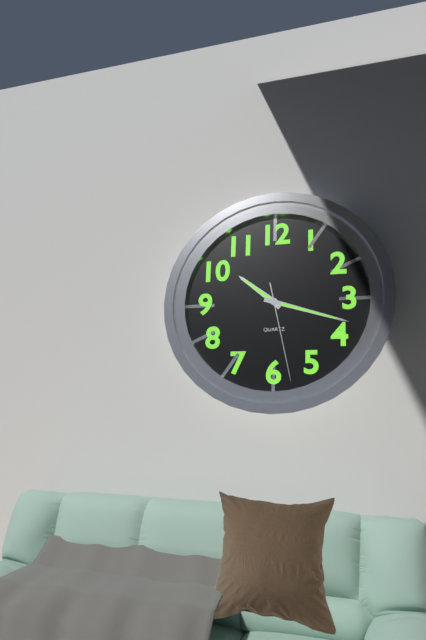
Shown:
10:18:28
